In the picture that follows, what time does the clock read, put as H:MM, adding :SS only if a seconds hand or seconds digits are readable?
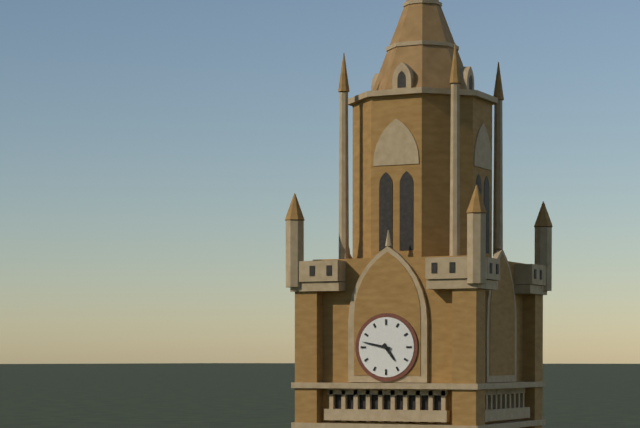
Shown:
4:47
